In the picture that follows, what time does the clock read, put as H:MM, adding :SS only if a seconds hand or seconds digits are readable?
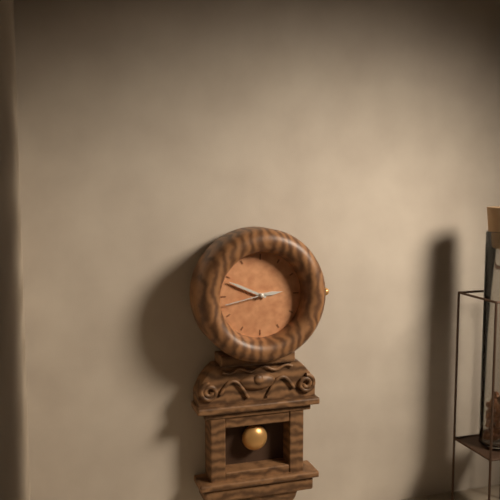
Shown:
2:49
